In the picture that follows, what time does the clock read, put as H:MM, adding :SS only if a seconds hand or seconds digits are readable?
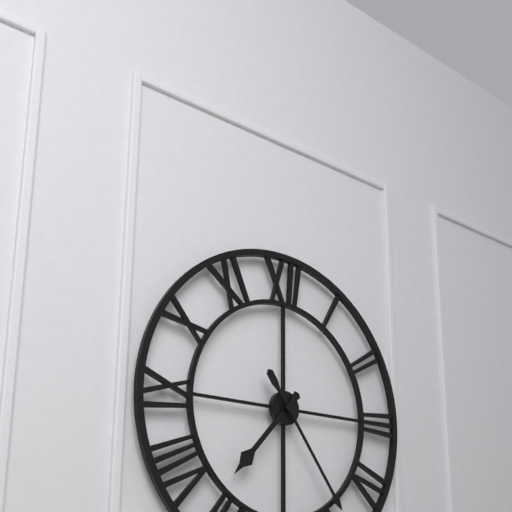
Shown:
7:24
